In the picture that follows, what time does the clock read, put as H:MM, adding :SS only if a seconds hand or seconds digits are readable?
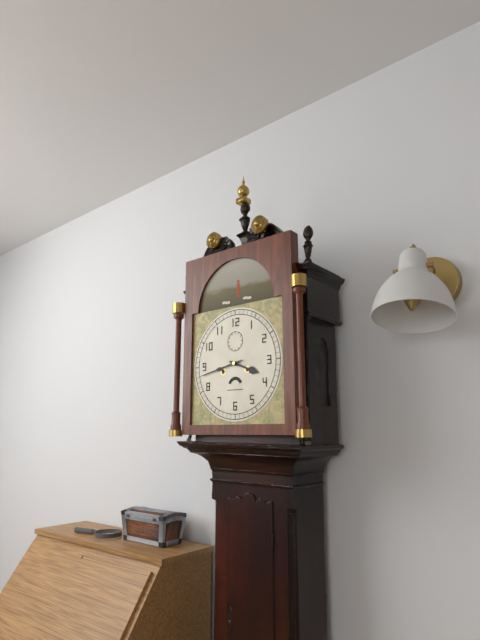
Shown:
3:43
